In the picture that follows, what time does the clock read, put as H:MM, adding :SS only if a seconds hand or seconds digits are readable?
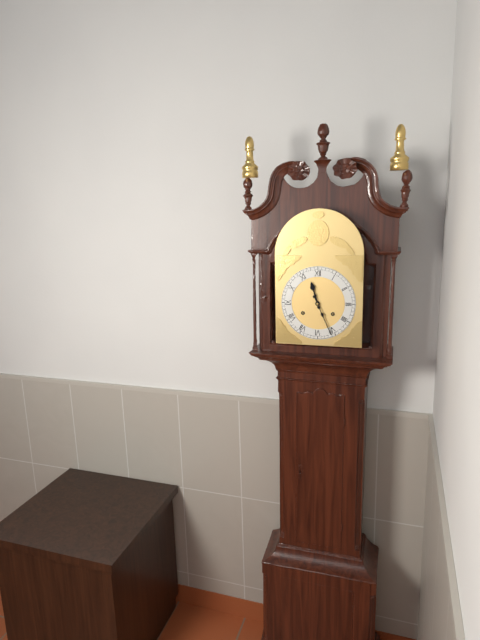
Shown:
11:26
